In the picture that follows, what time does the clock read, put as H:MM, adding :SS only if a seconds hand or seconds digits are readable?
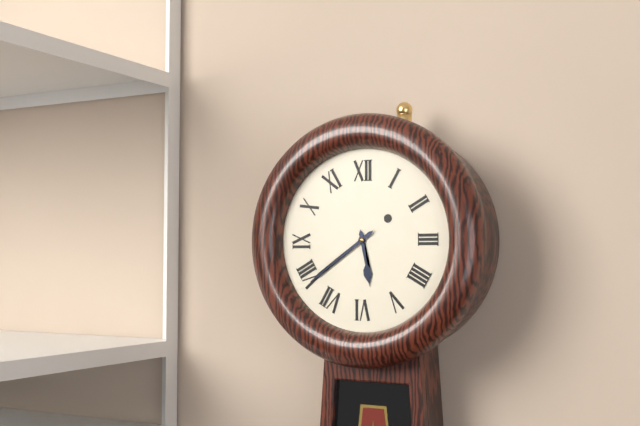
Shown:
5:39
